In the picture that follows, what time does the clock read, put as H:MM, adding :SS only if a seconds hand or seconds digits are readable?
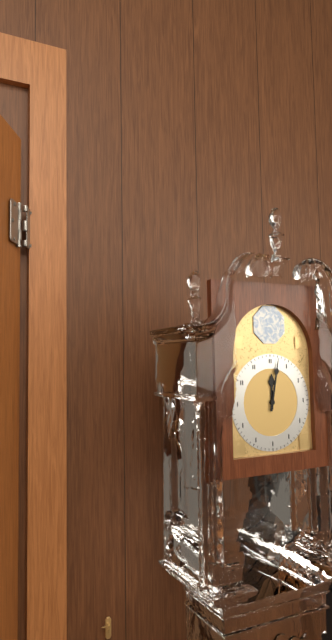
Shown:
12:02
